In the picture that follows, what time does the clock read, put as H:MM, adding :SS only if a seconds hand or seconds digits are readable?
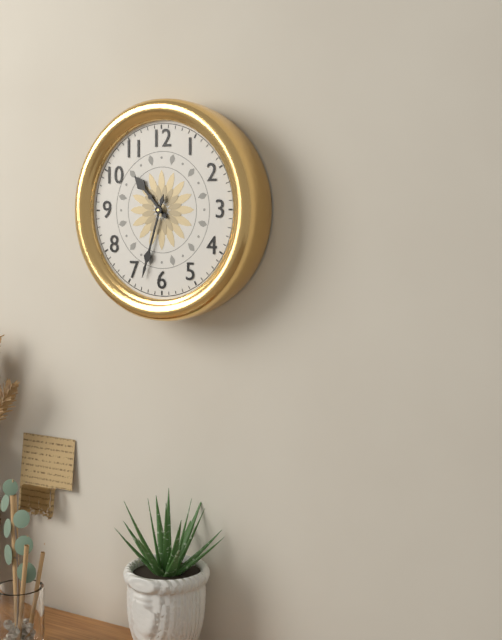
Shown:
10:33
